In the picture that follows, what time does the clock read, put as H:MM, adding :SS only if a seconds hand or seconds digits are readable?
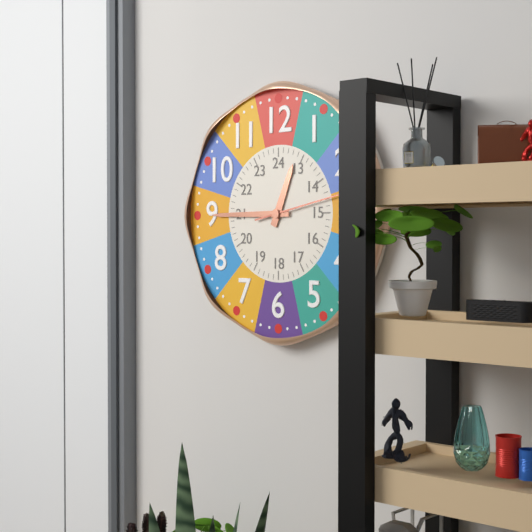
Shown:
12:45:13
